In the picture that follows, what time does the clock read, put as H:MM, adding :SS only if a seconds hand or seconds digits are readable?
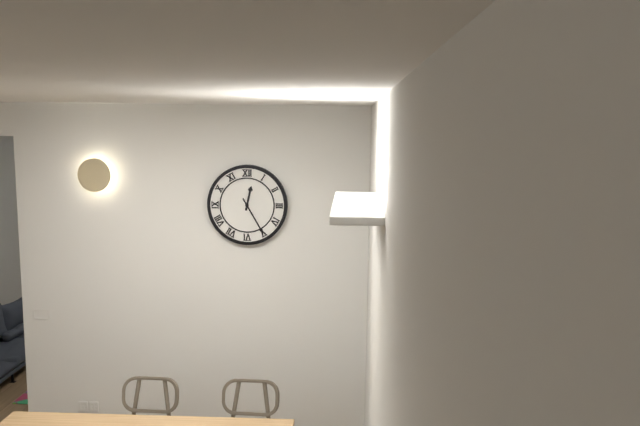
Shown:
12:25
